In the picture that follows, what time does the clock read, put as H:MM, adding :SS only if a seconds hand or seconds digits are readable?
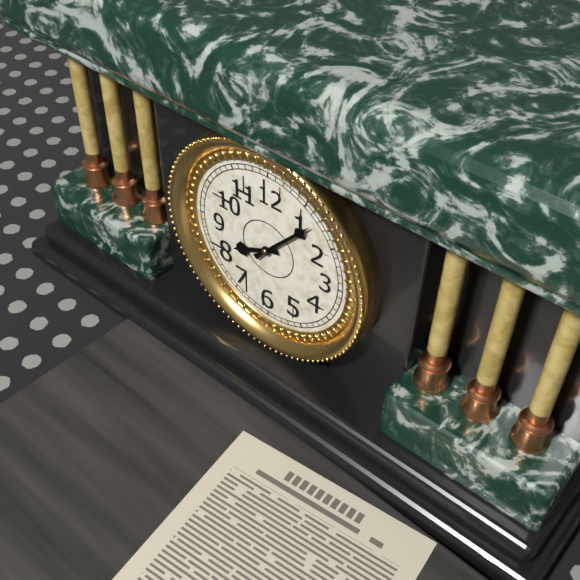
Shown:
8:07
